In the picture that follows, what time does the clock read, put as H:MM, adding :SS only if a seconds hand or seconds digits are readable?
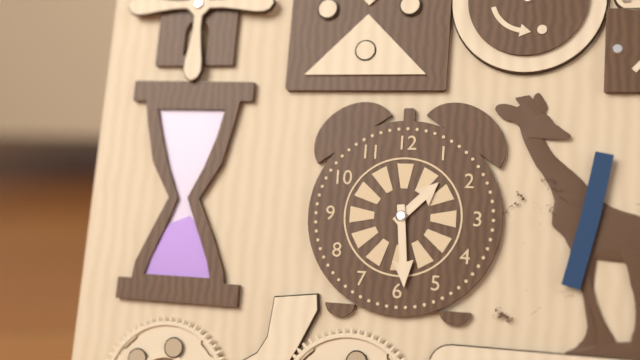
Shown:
1:29
